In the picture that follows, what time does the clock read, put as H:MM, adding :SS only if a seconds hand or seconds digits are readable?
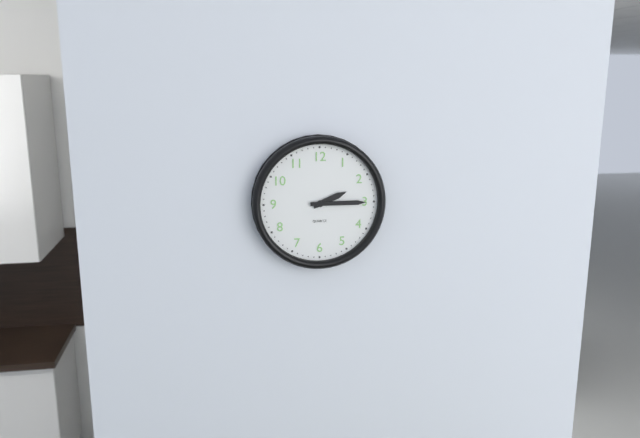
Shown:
2:15
